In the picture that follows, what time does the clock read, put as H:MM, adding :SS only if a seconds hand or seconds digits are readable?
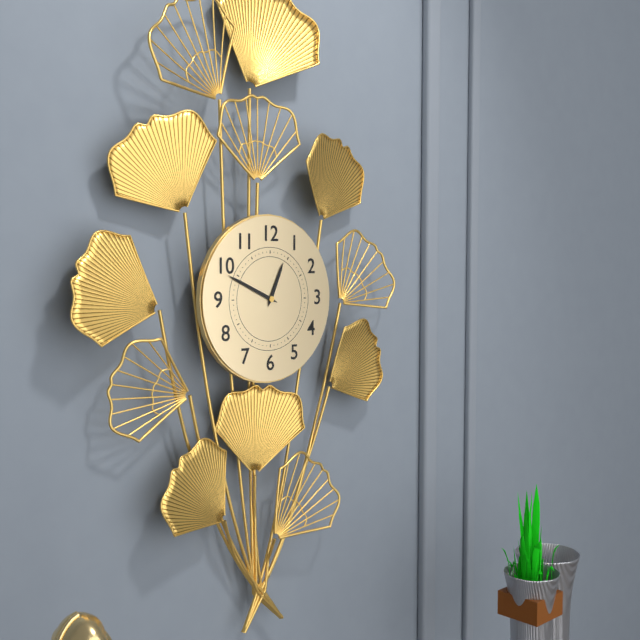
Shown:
12:49
